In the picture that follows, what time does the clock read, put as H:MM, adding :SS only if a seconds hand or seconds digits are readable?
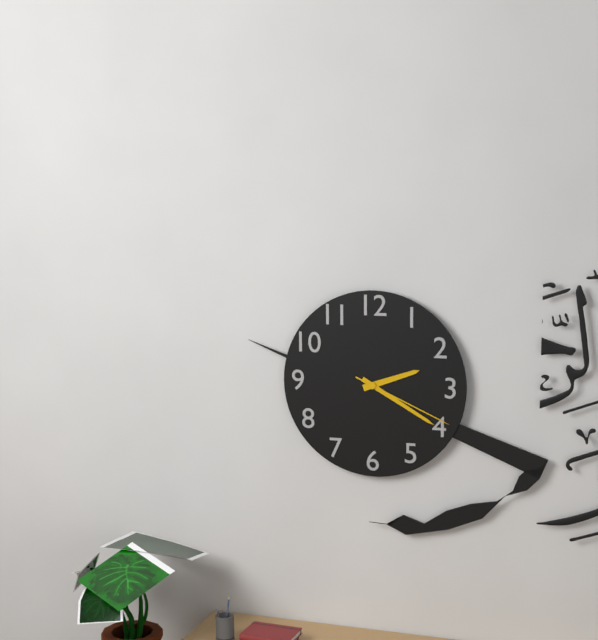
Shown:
2:20:19
